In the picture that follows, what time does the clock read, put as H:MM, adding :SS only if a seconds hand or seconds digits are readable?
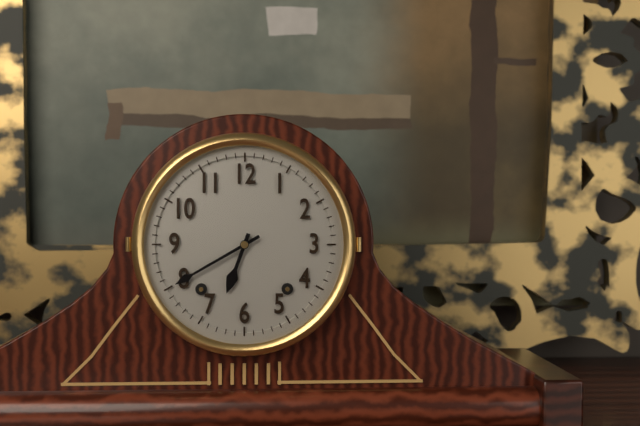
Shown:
6:40
